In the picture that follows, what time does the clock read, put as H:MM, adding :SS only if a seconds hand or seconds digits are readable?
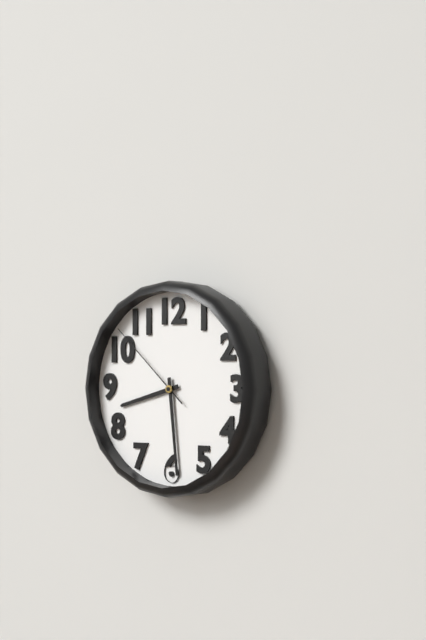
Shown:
8:29:52
